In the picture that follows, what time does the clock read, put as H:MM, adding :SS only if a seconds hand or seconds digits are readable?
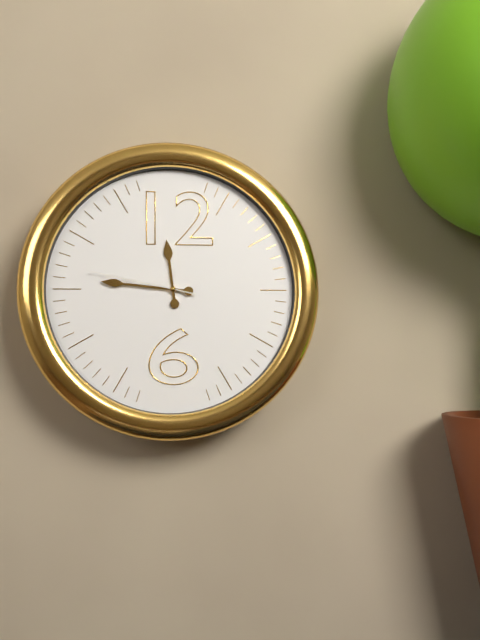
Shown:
11:46:47
